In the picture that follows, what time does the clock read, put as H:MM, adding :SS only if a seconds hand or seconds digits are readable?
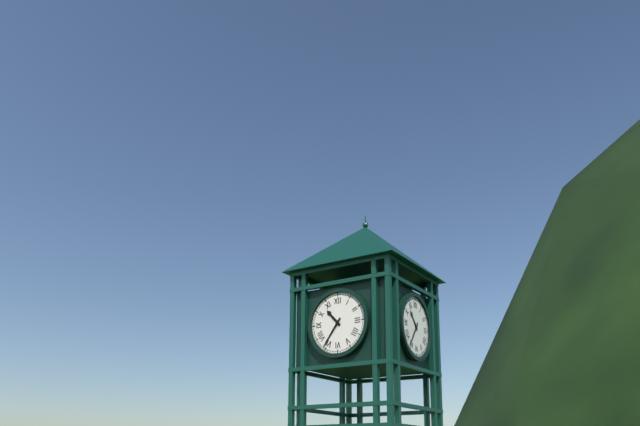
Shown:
10:36
